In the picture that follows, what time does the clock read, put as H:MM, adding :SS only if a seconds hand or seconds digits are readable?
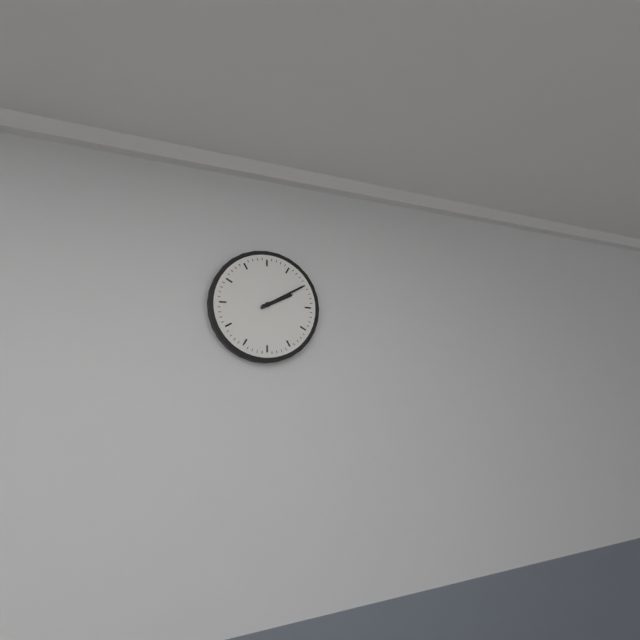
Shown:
2:10
